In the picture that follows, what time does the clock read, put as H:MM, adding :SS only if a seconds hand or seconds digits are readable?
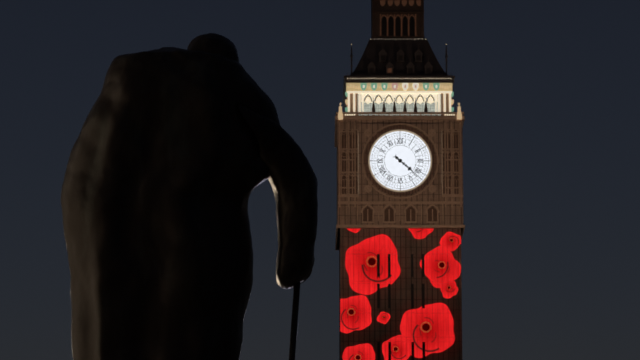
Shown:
4:22
